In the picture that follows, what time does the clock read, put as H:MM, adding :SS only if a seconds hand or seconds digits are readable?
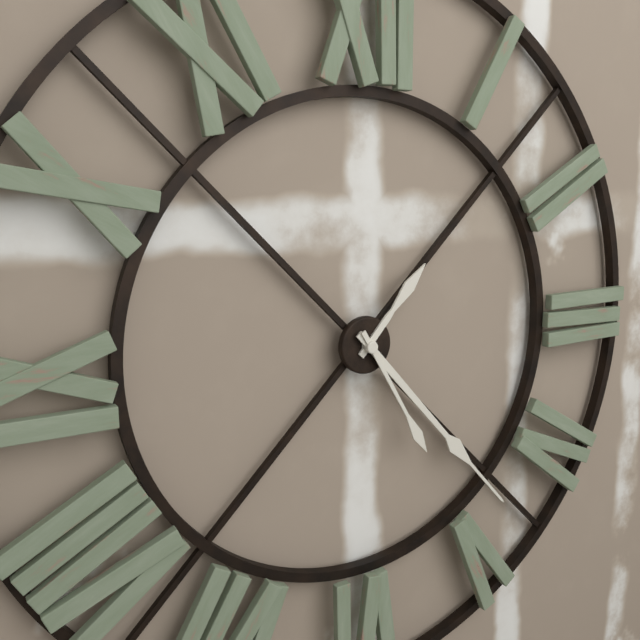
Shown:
1:23:25
